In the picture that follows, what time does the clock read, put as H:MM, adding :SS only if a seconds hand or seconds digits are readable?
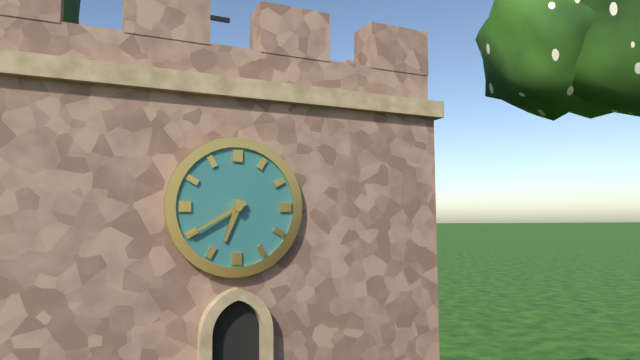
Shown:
6:40
